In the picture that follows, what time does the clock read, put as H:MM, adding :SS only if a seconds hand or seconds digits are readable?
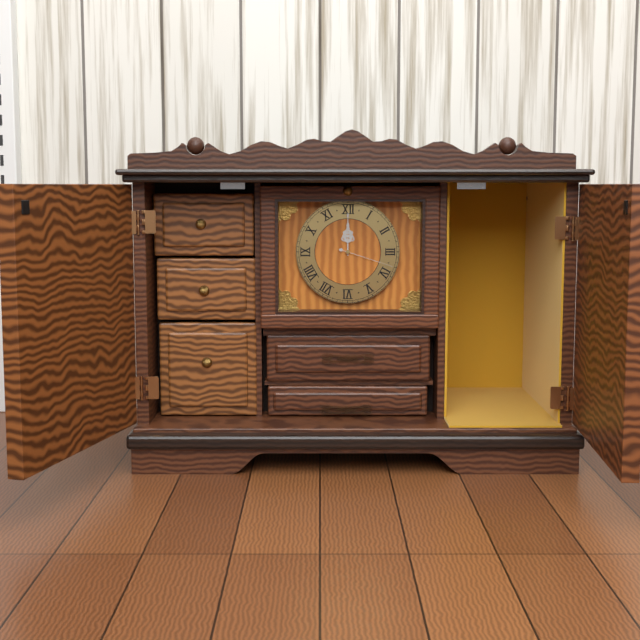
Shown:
12:00:18
